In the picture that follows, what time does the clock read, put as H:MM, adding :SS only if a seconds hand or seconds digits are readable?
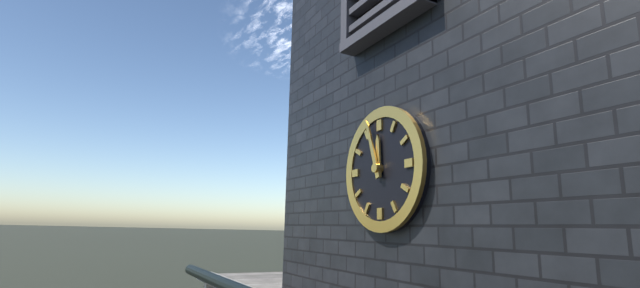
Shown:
11:57
